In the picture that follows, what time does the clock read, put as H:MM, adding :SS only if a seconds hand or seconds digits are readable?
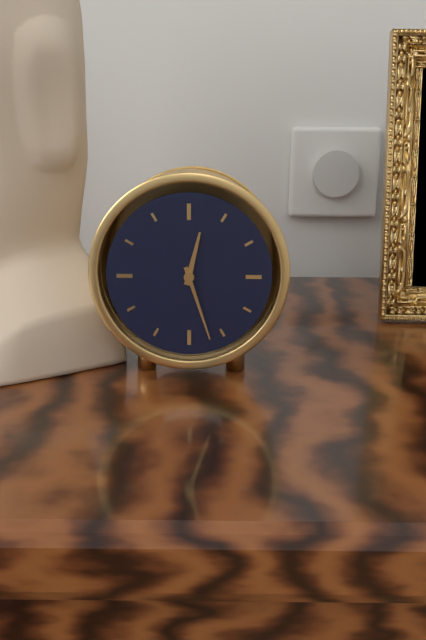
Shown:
12:27
